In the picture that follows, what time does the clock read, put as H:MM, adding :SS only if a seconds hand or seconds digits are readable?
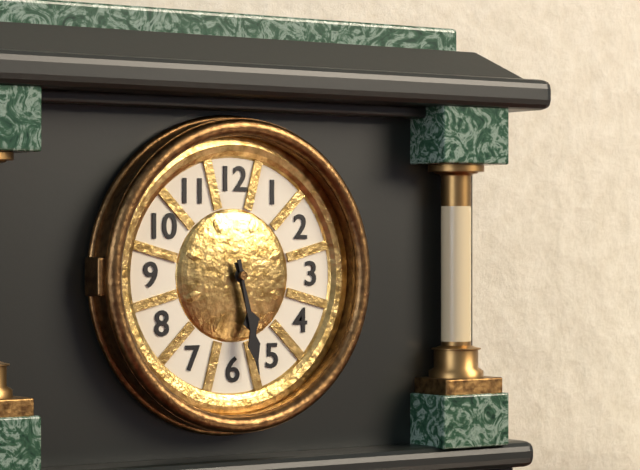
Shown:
5:28
